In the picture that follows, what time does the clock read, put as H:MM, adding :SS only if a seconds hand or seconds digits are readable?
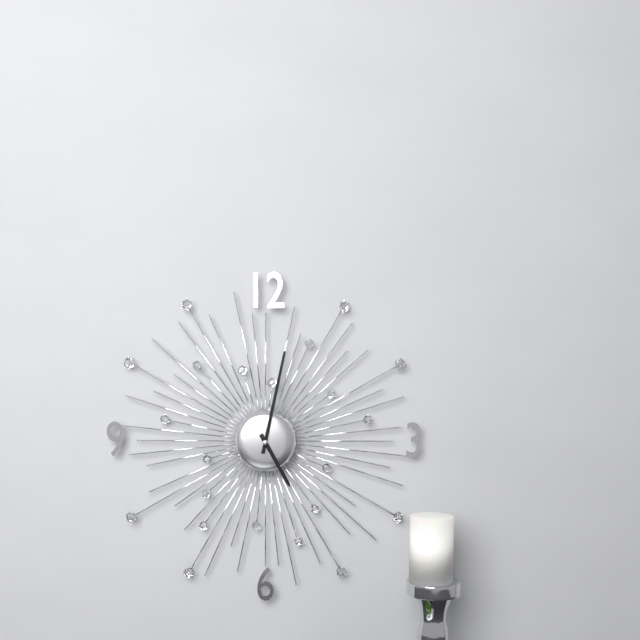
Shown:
5:02
